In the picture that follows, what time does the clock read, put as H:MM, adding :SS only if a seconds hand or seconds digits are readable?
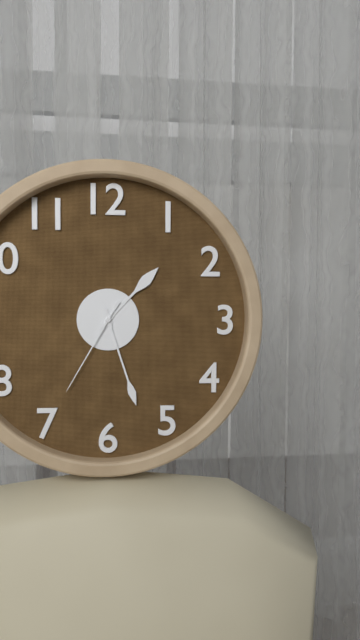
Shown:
1:27:35
